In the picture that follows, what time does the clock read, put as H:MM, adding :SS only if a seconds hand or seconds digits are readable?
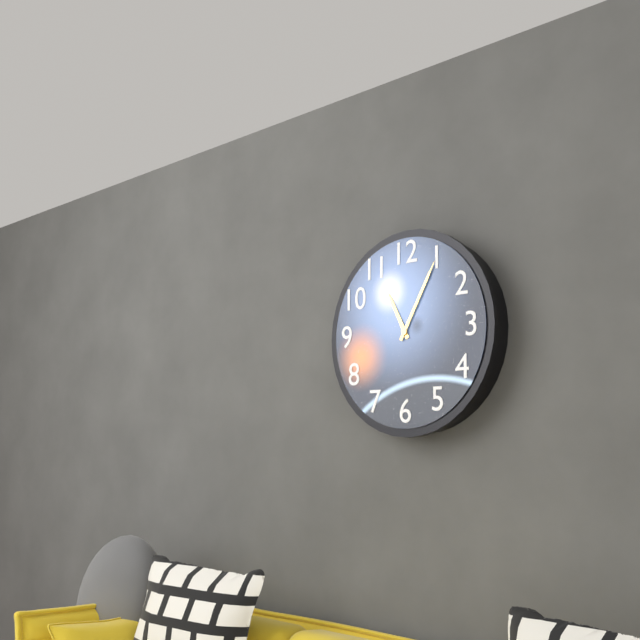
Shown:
11:05
